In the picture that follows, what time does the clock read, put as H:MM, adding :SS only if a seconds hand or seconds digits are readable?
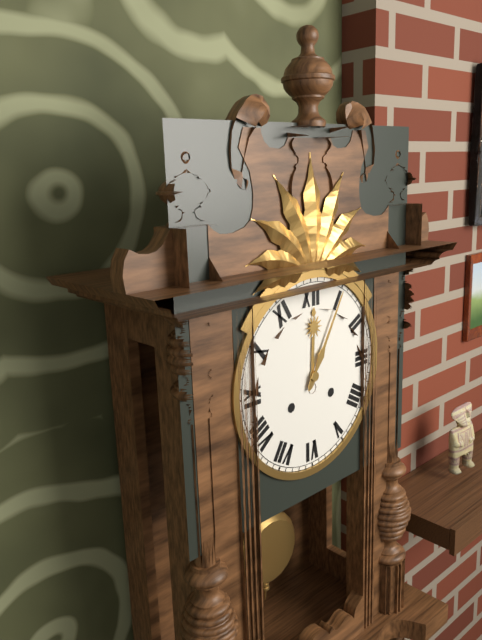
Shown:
12:05
